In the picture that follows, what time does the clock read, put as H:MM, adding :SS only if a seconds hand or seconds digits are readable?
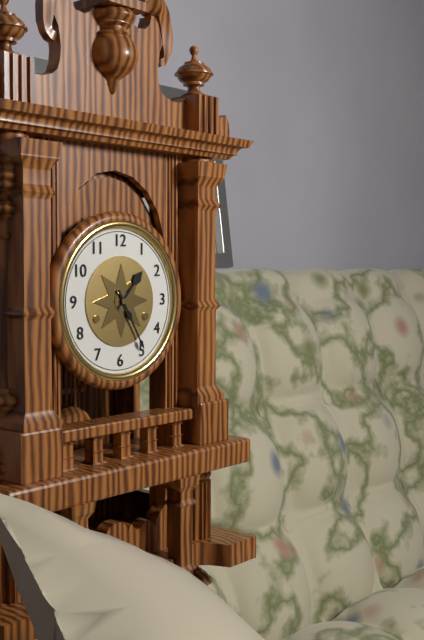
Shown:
1:25
